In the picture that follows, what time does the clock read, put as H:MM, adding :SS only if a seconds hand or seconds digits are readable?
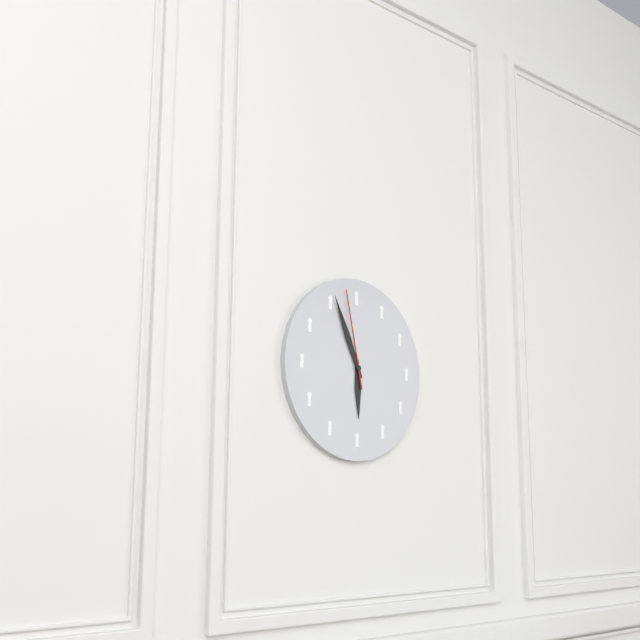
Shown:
5:56:58
